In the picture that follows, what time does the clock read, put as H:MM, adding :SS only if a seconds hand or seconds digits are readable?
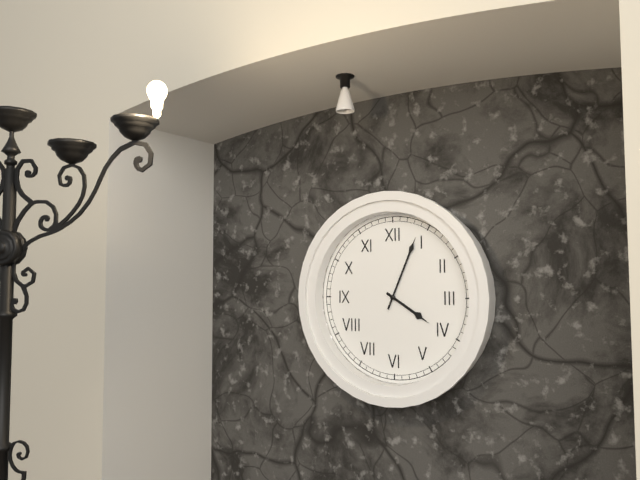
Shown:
4:04
